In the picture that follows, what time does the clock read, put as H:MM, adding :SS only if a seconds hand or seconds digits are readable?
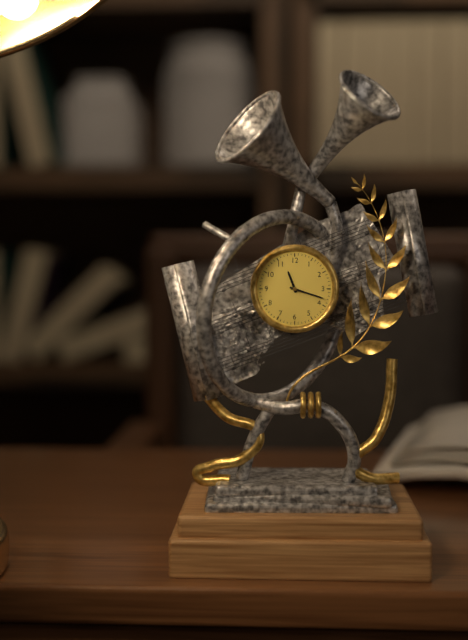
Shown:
11:18
